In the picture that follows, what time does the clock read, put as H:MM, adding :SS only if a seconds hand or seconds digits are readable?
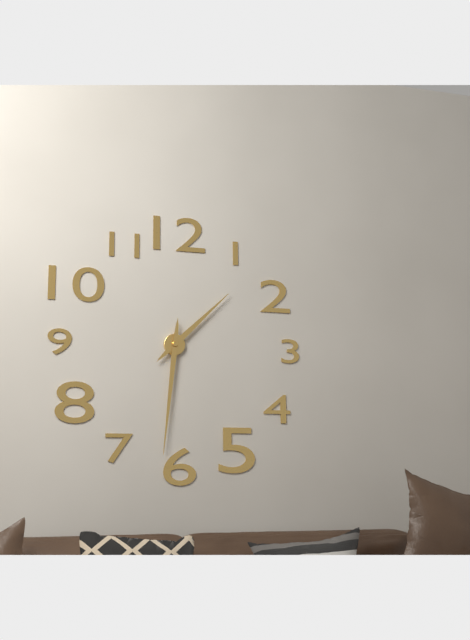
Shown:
1:31
